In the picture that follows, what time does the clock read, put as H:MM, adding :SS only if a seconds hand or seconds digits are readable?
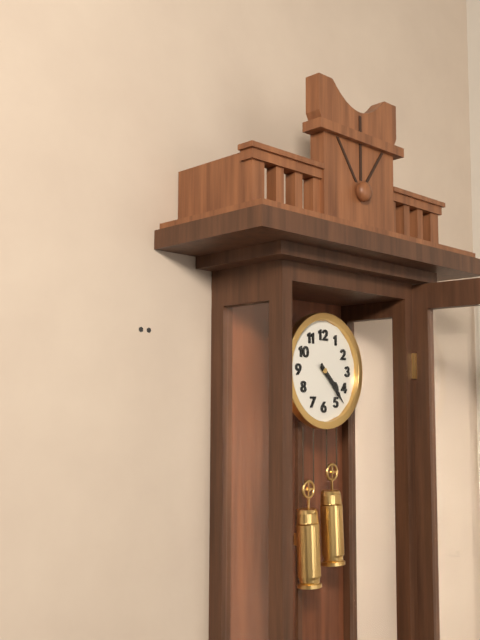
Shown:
4:23
